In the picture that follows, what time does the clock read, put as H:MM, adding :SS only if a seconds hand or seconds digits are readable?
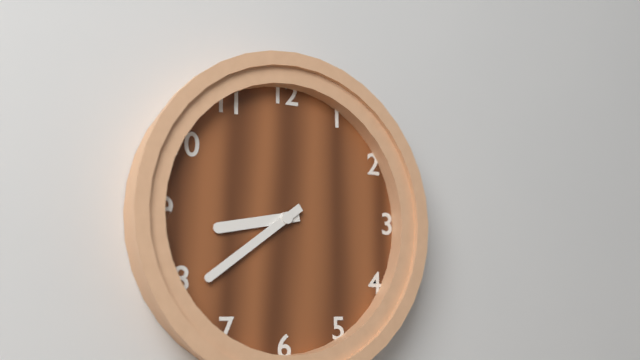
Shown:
8:39
